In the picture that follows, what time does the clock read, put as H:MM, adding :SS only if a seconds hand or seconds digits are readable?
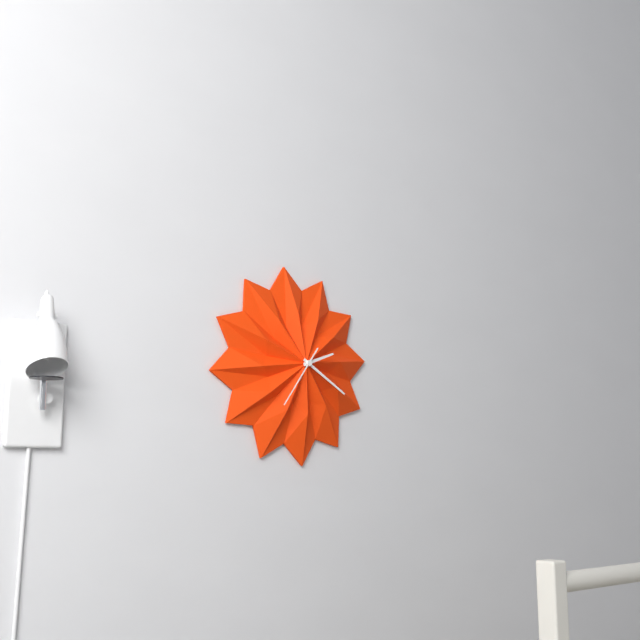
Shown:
2:20:36
